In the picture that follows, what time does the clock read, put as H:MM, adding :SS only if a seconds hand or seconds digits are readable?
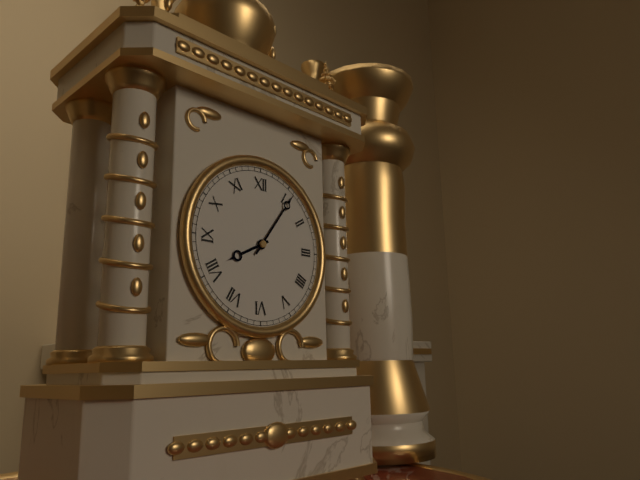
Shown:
8:06
